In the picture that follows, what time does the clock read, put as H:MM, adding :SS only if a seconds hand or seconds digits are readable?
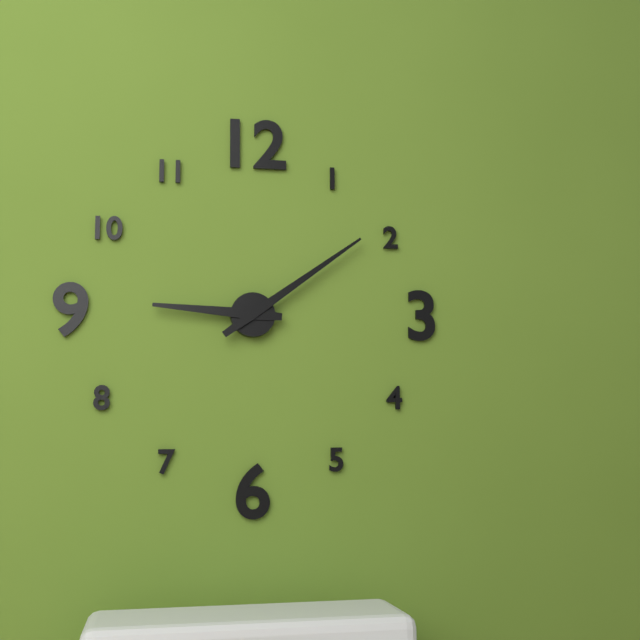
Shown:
9:09
